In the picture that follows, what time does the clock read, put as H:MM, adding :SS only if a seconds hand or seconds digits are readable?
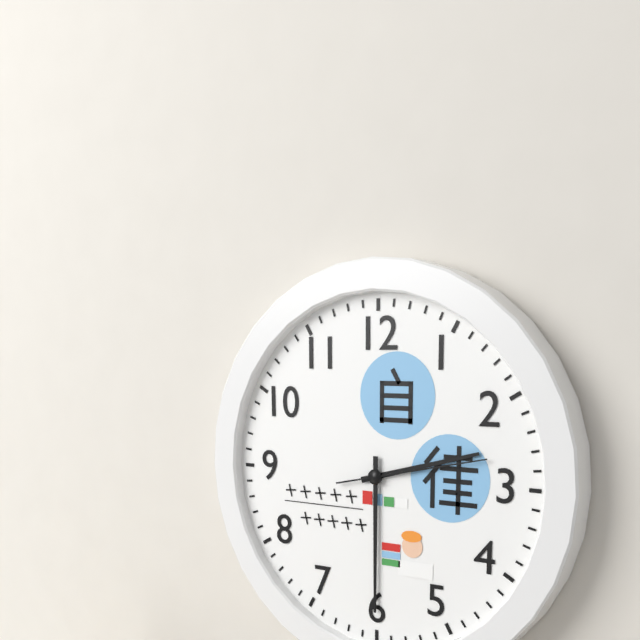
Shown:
2:30:13
